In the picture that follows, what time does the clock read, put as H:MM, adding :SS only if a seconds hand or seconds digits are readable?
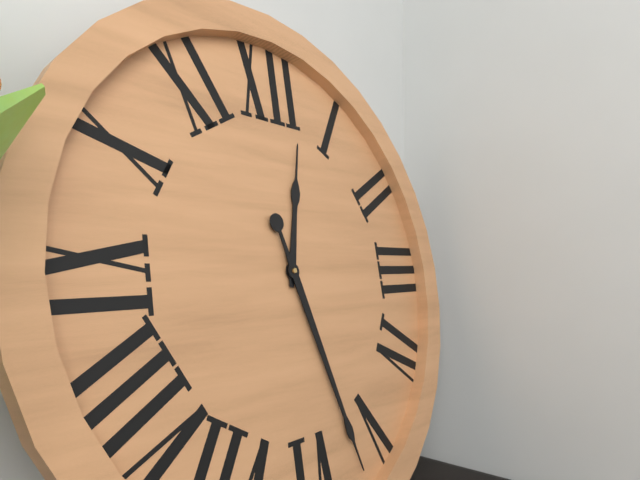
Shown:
12:27
